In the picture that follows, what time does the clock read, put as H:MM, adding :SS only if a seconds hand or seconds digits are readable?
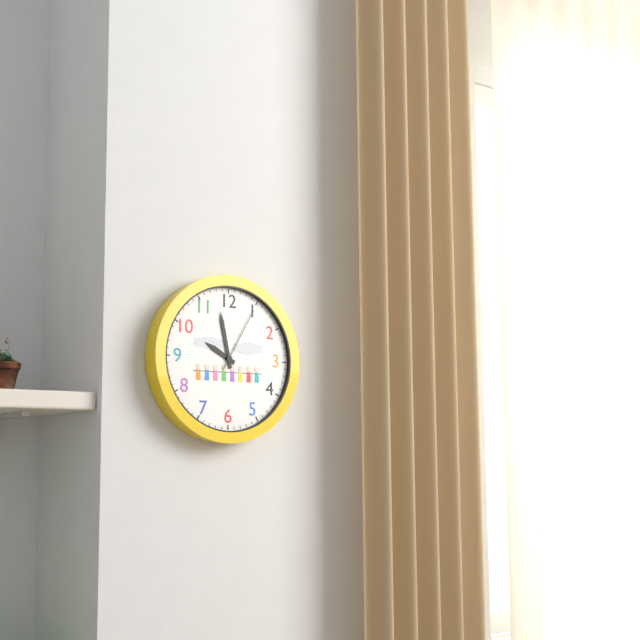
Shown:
9:58:05
